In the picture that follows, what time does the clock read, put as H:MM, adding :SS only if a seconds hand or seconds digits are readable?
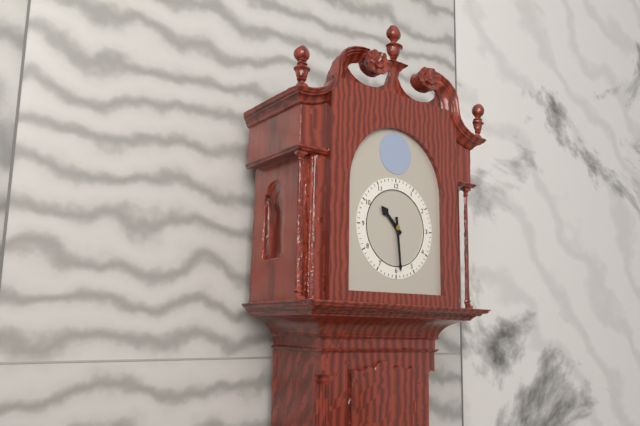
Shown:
10:29
